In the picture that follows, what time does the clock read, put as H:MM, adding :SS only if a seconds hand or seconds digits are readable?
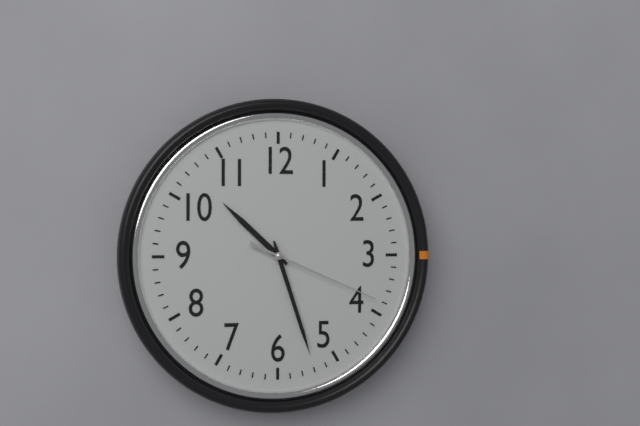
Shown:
10:27:19
